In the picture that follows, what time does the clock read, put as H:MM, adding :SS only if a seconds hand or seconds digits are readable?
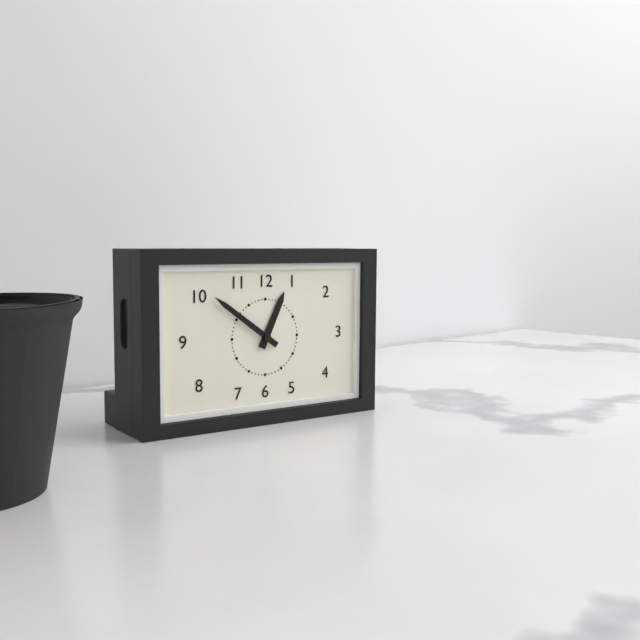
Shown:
12:51
